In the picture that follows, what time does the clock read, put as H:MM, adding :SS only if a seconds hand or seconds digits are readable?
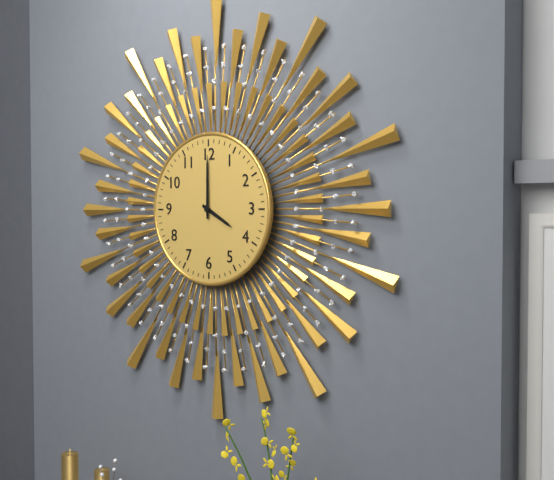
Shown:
4:00
